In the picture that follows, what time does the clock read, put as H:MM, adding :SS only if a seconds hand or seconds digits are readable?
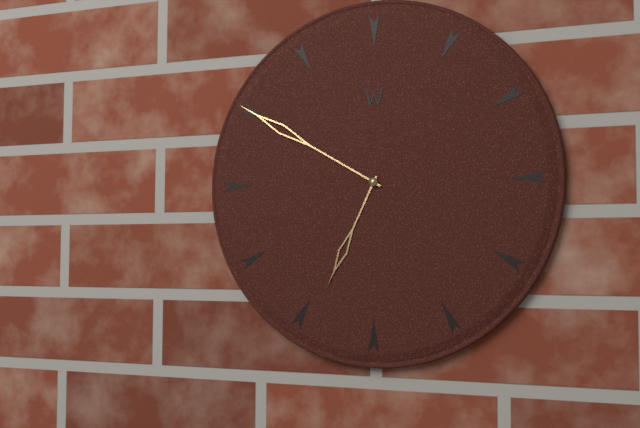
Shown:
6:50
